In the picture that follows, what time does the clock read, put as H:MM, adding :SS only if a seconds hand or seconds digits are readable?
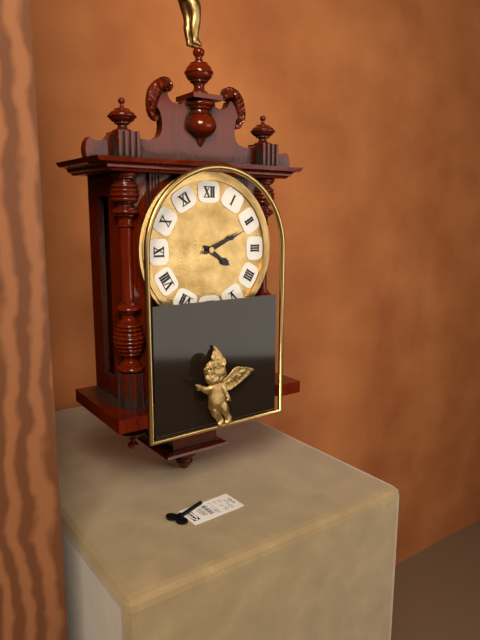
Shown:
4:11
